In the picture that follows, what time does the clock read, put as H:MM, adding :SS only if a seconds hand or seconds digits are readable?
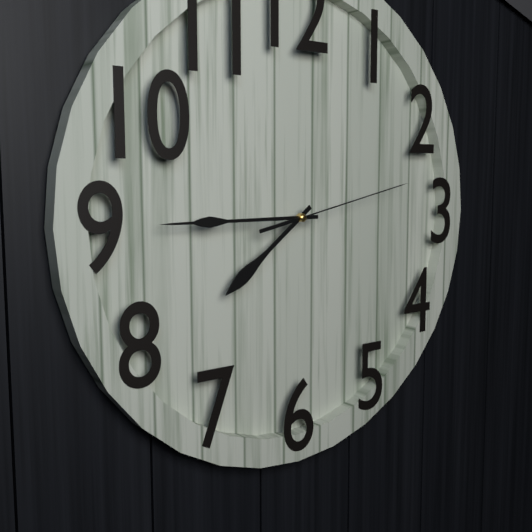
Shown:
7:45:13
